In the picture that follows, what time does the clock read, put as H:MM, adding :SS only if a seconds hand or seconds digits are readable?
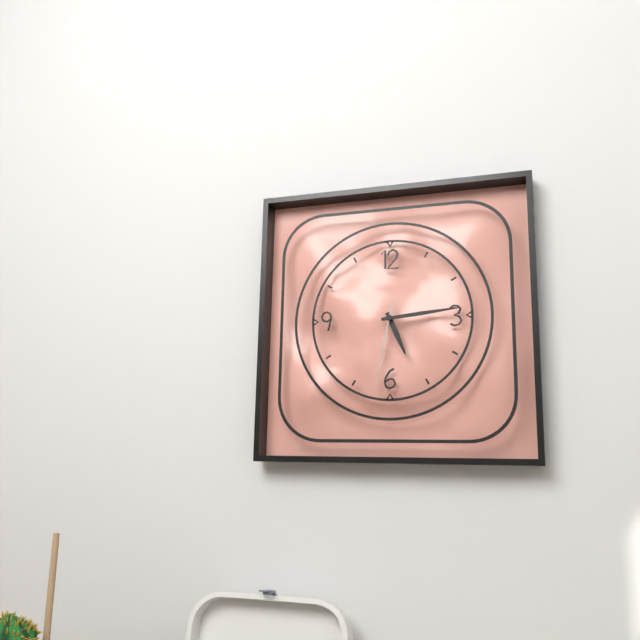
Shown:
5:14:32
